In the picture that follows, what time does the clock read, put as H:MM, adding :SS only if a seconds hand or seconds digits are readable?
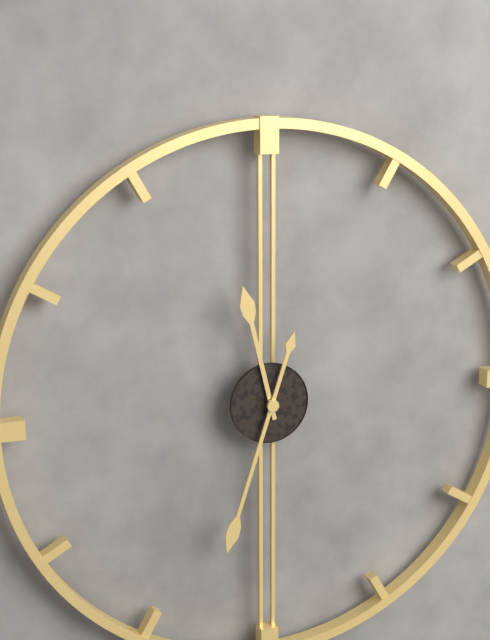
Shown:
11:33
